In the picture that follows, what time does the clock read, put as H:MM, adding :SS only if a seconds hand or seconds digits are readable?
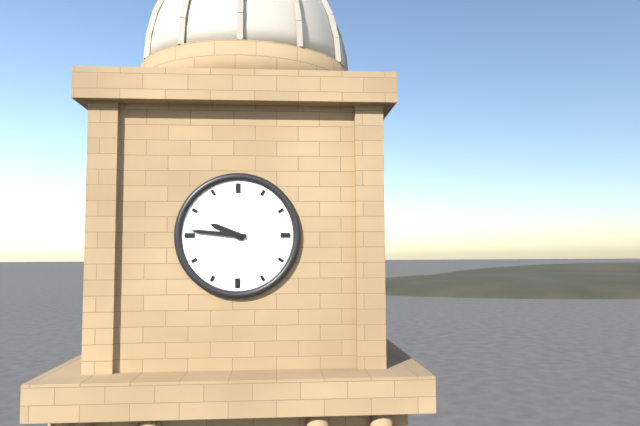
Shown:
9:46
